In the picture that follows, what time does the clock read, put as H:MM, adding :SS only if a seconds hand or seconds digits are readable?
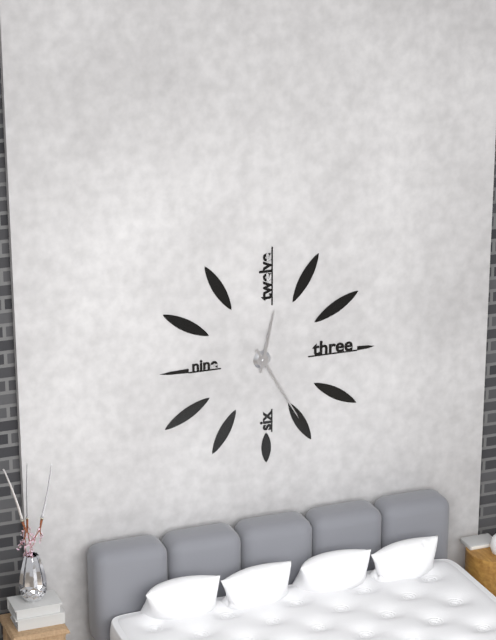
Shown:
12:25
